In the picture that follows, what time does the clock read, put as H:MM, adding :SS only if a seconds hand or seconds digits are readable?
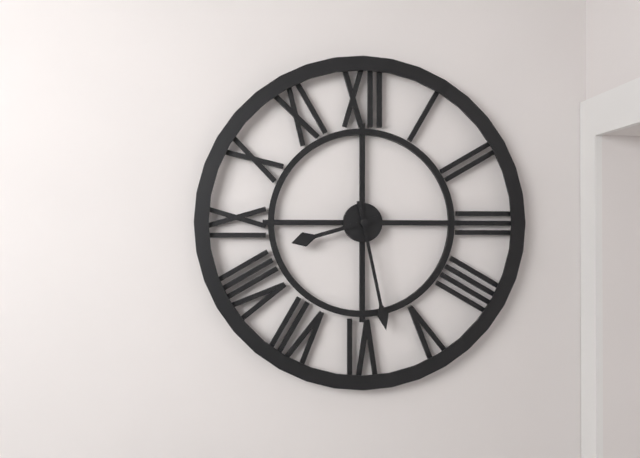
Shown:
8:28
